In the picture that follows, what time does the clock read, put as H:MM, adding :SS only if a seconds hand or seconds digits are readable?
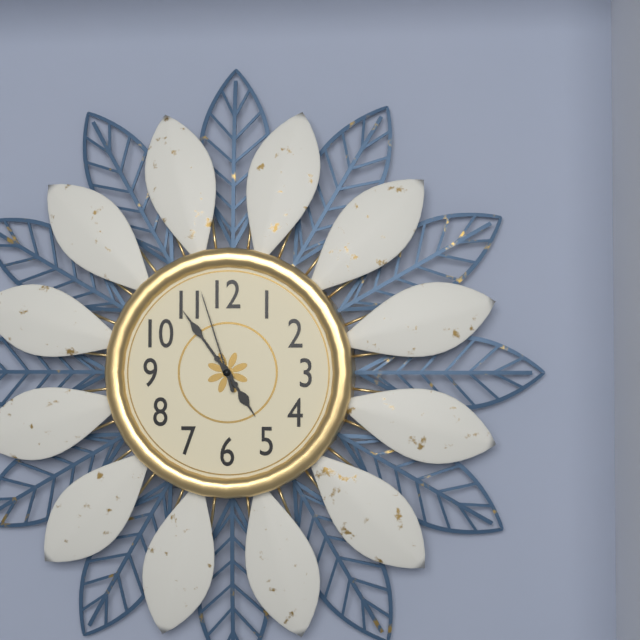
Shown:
4:54:57
